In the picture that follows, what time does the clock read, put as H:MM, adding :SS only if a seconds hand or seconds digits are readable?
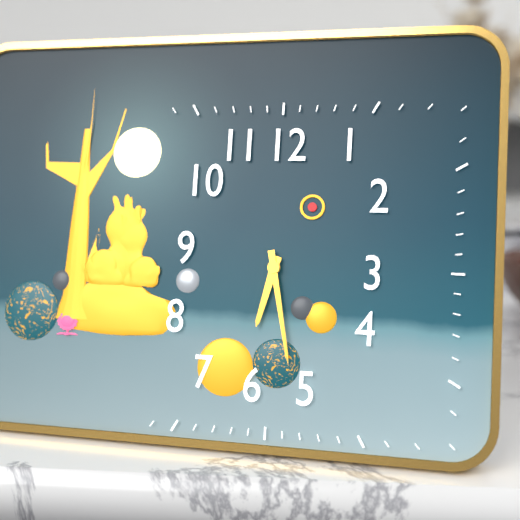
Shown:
6:28
